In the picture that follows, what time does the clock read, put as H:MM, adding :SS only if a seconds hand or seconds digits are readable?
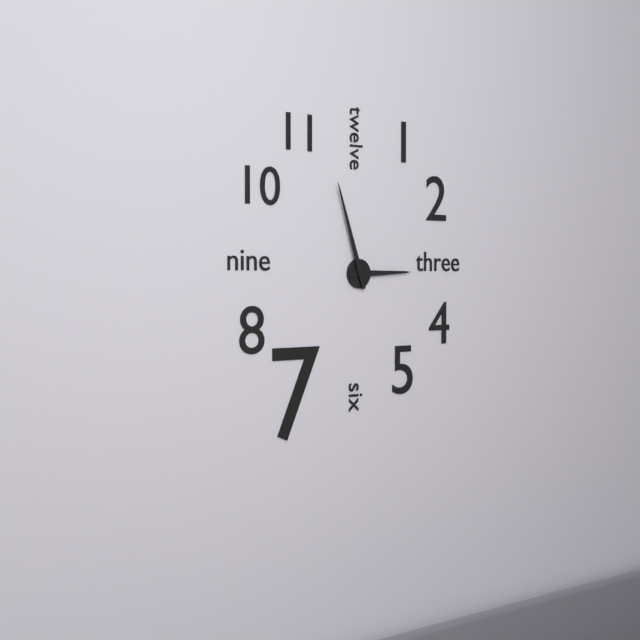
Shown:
2:57
